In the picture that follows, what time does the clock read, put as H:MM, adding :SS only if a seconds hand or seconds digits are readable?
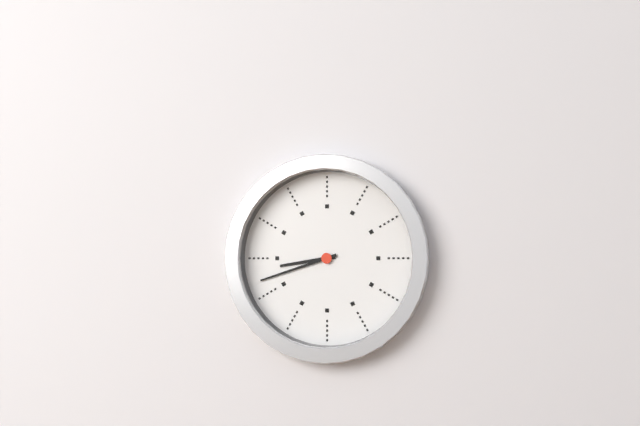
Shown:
8:42
